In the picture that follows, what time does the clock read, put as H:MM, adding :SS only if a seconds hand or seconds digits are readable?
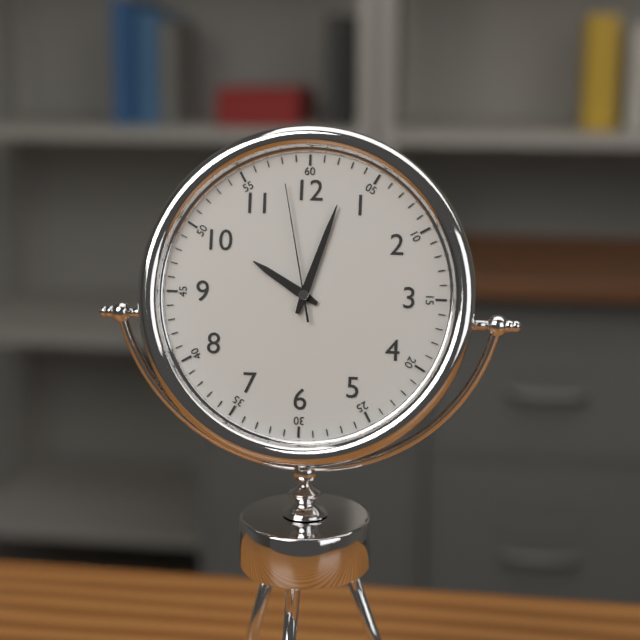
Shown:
10:03:58
